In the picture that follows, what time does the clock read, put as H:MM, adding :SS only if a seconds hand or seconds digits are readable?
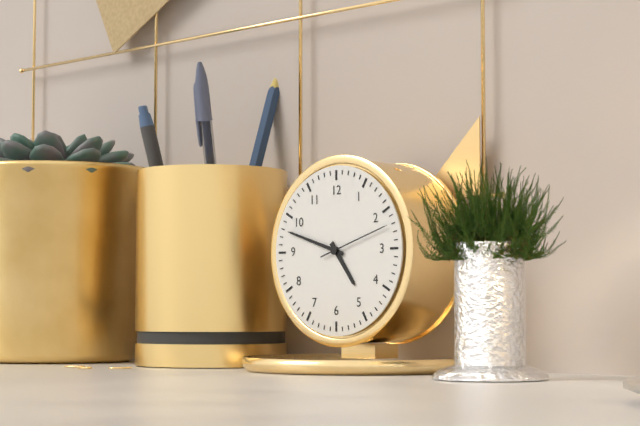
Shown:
4:48:12
